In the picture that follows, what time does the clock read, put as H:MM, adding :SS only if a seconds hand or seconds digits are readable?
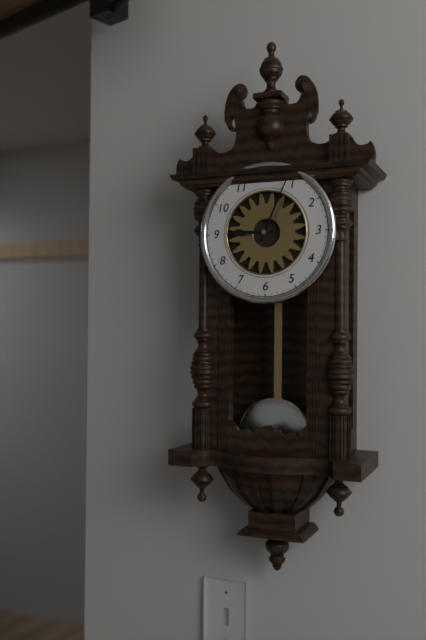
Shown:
9:04
